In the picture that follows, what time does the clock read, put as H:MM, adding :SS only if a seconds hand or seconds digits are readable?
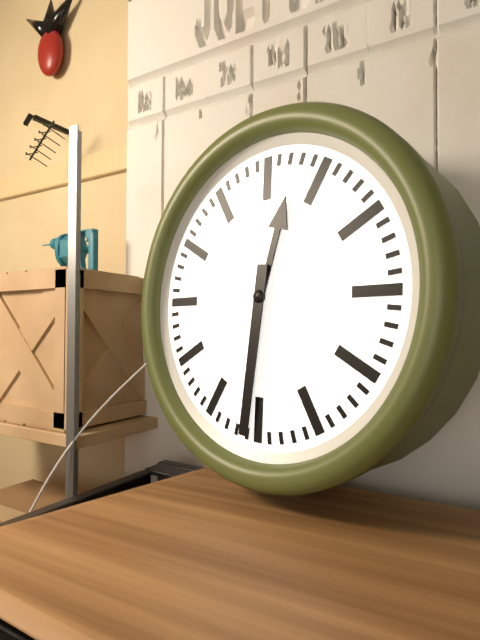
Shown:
12:31
